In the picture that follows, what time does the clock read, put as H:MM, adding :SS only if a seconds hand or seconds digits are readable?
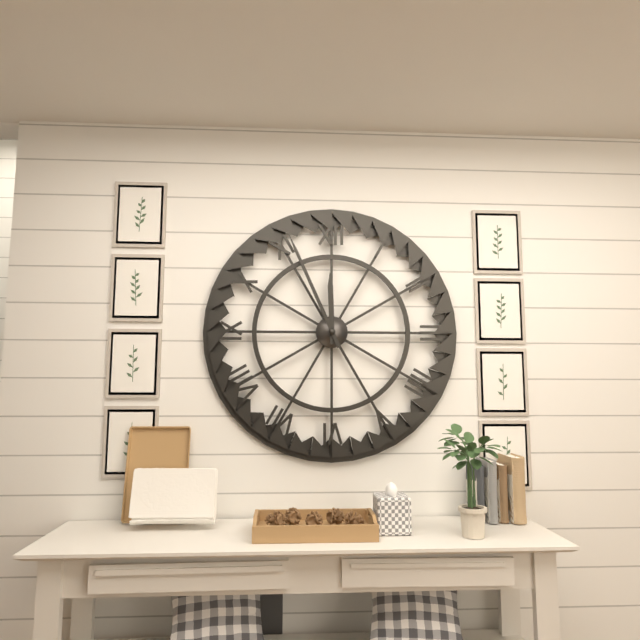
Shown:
11:56
